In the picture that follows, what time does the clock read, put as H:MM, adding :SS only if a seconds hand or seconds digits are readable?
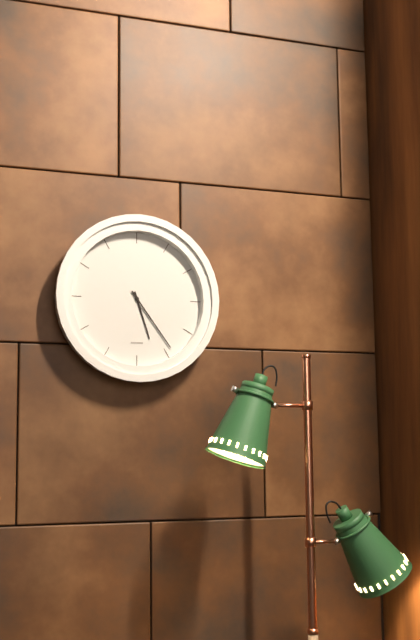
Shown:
5:24
